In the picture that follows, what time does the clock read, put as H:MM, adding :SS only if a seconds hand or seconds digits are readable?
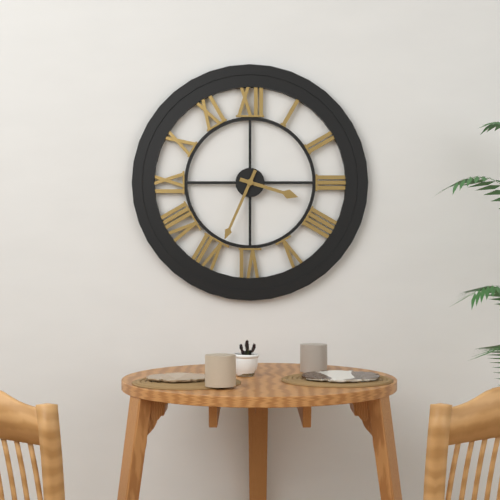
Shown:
3:34
